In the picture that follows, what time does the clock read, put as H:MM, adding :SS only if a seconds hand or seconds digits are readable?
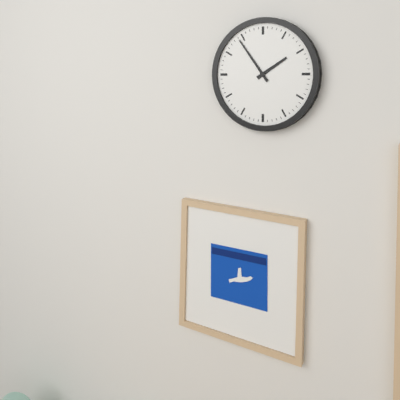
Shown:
1:54
